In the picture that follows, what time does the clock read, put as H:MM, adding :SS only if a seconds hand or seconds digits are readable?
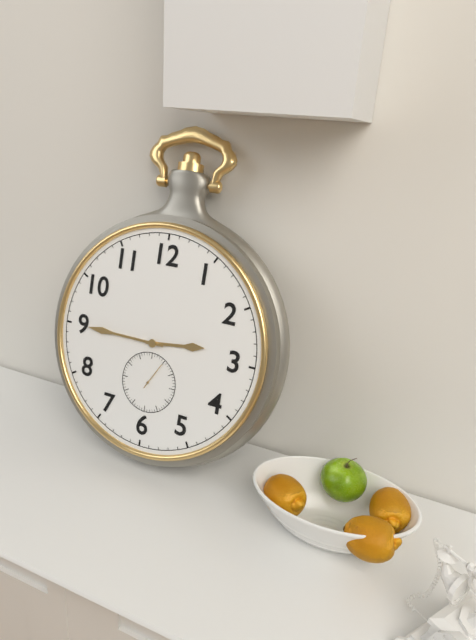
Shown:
2:45
